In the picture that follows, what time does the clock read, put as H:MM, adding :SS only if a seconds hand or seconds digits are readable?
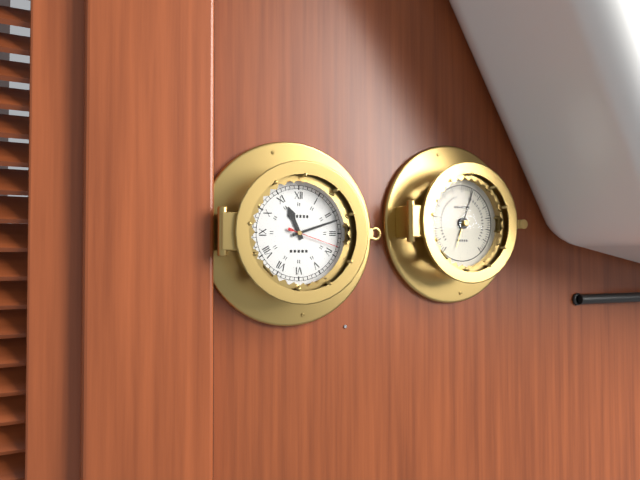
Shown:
11:12:18
